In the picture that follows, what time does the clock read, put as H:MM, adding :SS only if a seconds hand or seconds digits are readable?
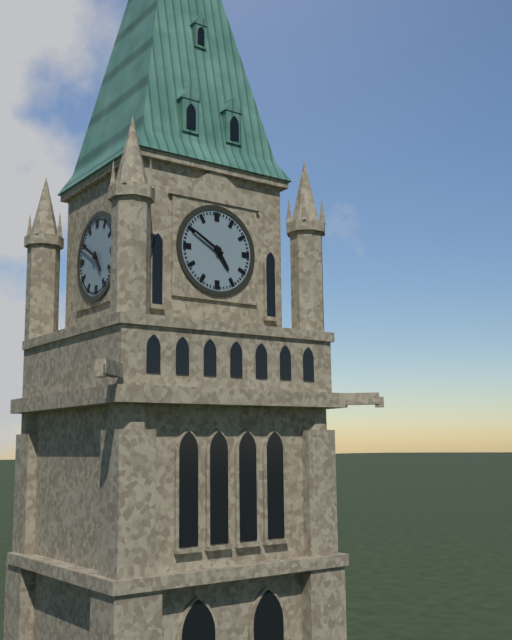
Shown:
4:50
